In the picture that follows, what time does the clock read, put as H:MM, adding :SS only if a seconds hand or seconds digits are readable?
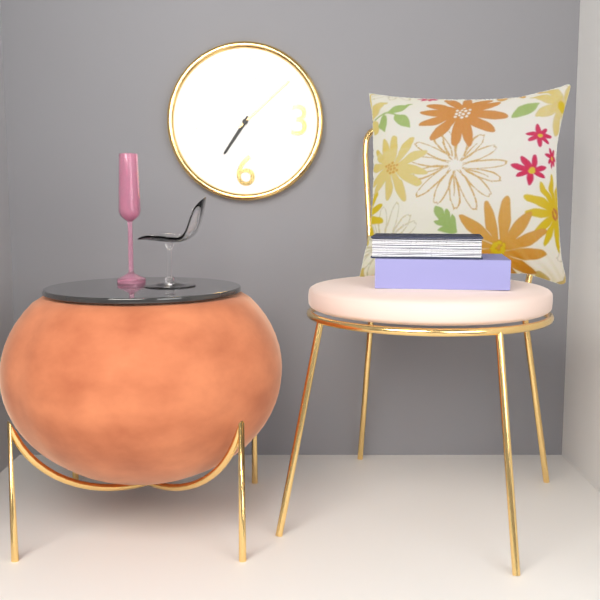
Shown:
7:08
